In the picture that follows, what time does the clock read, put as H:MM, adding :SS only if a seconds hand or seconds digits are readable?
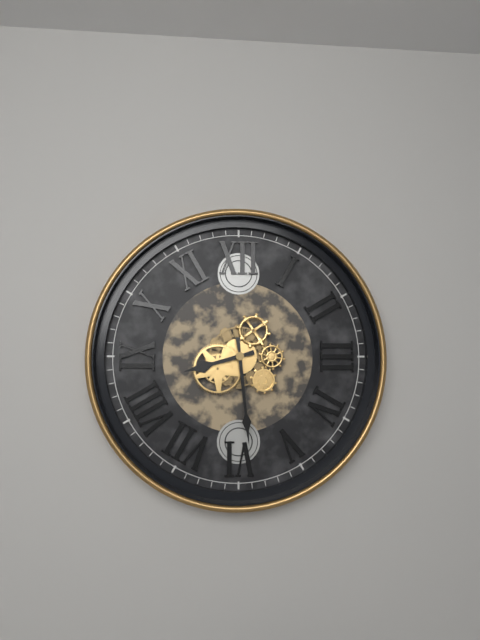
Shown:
8:29
